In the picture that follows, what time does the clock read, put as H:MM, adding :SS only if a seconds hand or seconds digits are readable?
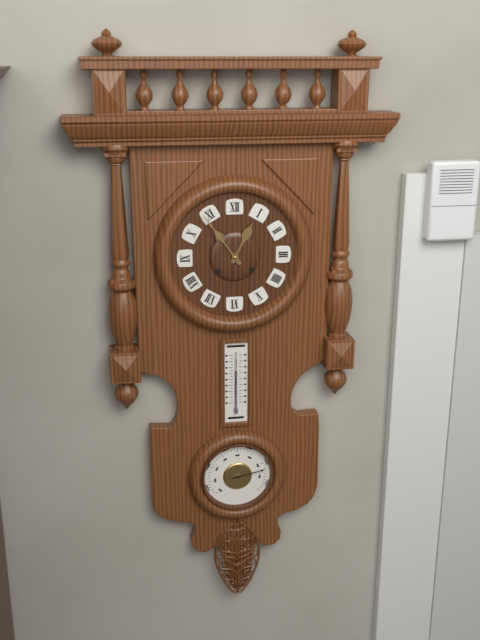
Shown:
12:54
